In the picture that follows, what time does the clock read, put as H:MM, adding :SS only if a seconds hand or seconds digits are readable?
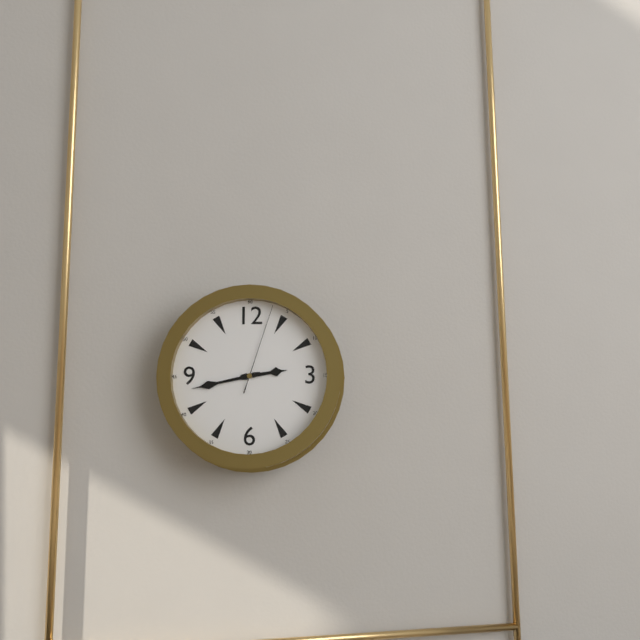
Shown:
2:43:03
